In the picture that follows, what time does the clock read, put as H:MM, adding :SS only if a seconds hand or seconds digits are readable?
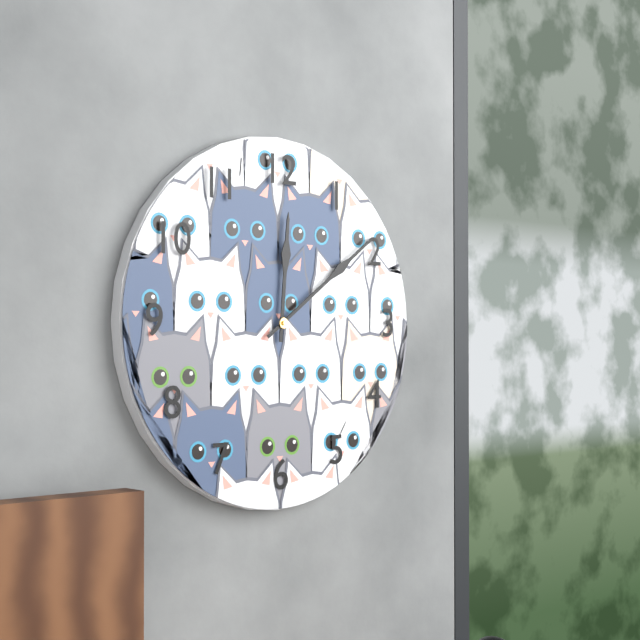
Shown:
12:09
